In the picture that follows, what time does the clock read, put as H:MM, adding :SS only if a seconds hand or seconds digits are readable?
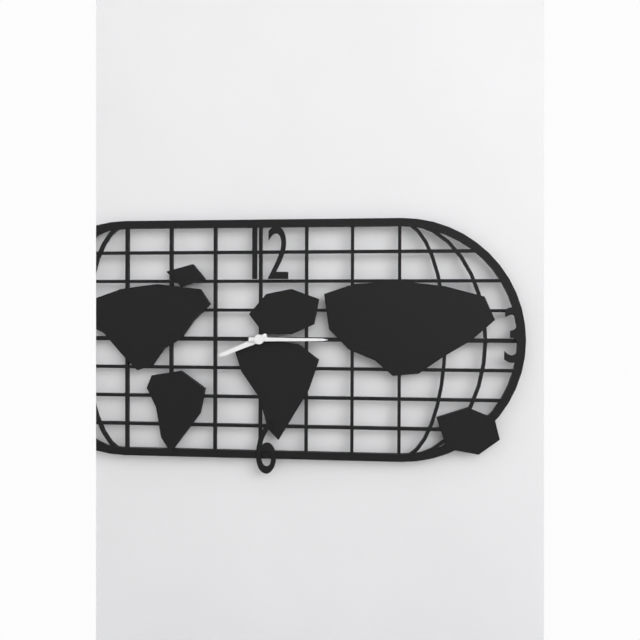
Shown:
8:15
